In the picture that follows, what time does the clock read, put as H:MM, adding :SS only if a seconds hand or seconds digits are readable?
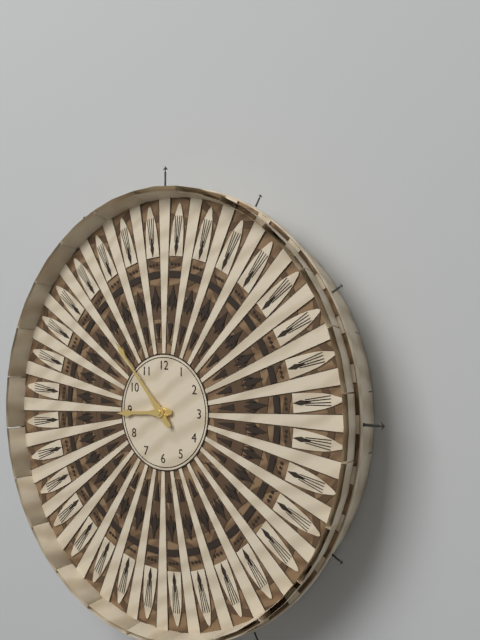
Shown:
8:53
